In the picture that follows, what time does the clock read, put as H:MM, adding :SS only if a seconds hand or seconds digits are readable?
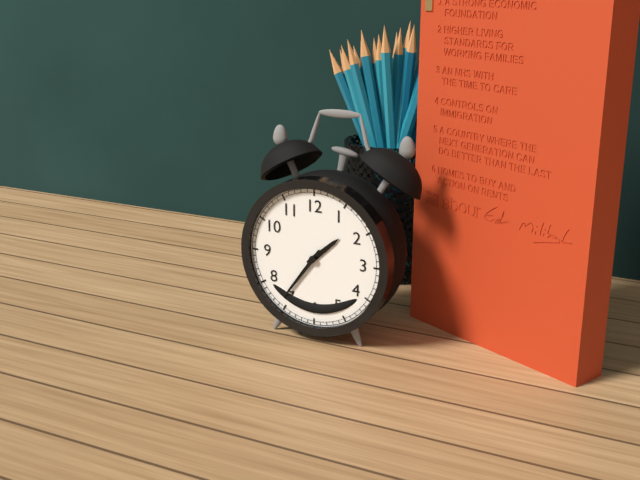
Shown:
1:36
